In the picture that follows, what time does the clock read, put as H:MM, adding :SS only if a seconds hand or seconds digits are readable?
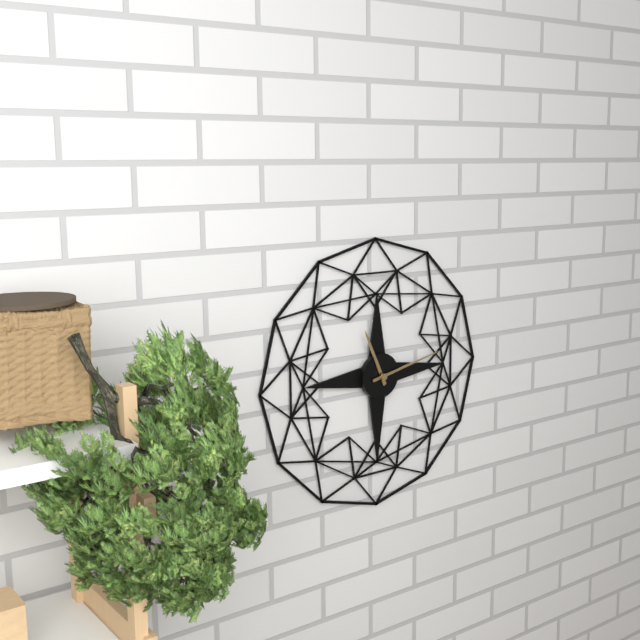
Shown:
11:13
